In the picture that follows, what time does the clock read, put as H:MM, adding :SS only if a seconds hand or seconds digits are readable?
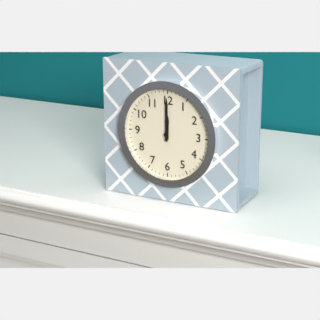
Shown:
12:00
